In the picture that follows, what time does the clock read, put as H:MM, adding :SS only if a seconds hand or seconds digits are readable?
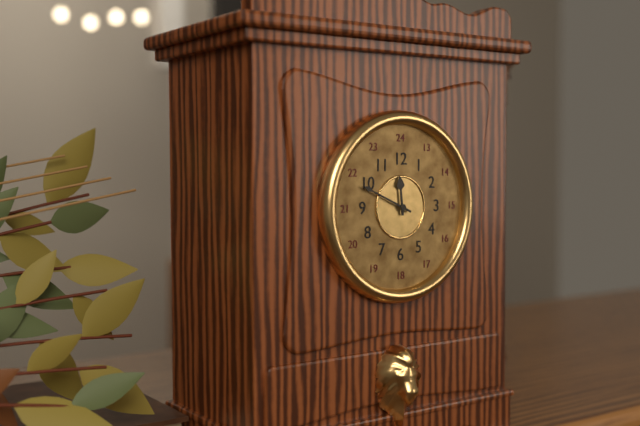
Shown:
11:49
